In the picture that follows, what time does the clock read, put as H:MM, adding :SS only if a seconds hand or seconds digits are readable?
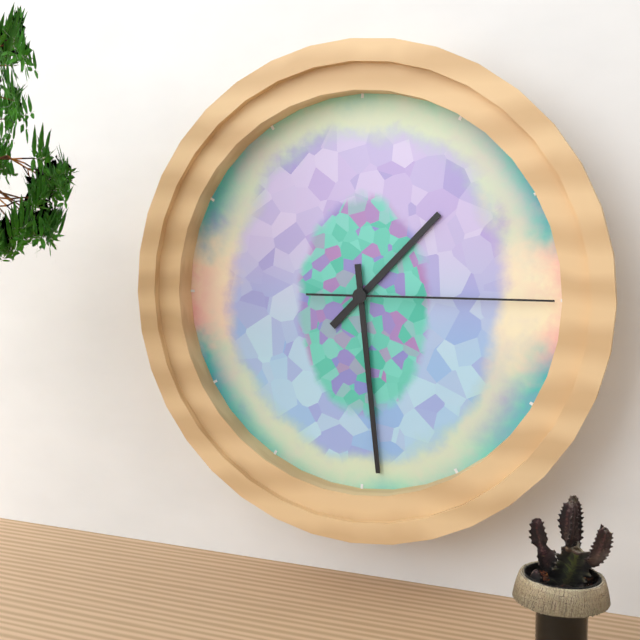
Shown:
1:29:15
